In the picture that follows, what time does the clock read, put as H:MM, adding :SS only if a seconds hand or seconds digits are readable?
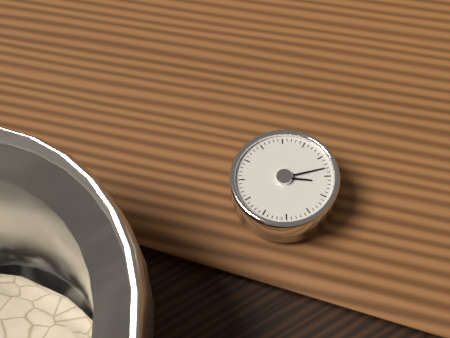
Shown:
4:18
